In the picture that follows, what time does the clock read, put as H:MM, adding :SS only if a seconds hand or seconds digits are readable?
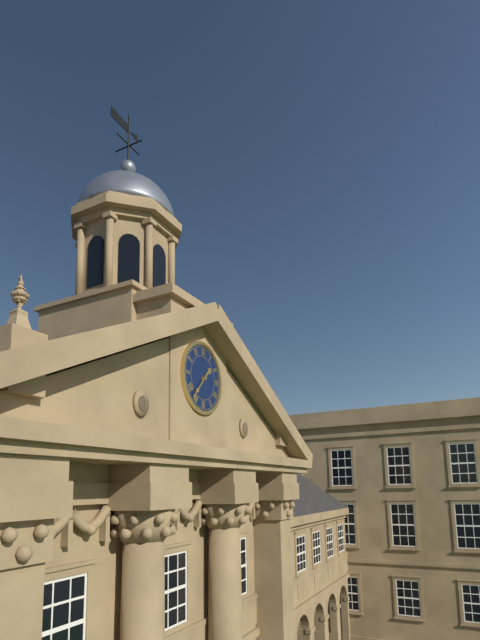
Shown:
1:37
